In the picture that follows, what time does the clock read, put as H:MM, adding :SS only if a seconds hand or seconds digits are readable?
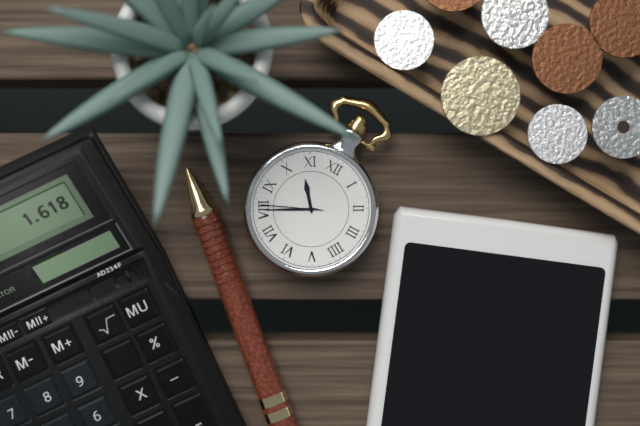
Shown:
10:40:41
